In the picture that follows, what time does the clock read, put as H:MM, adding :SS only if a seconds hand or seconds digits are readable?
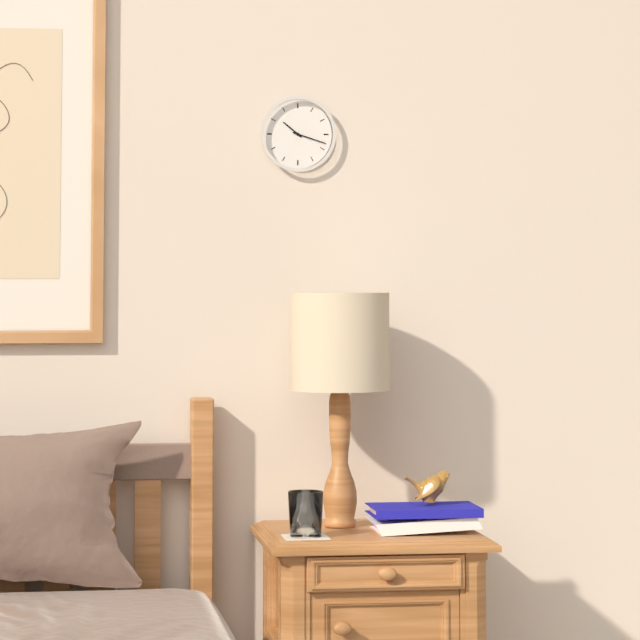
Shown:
10:18
